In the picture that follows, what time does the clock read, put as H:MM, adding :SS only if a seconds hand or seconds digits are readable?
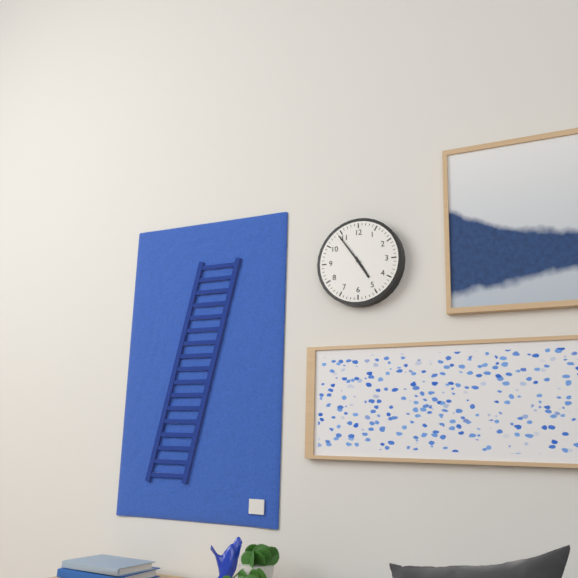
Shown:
4:54
